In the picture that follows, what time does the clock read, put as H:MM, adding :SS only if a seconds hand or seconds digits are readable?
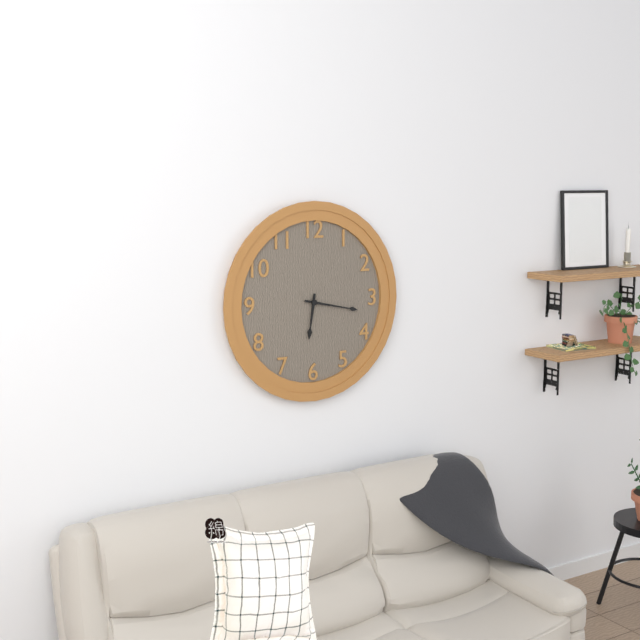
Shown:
6:17
